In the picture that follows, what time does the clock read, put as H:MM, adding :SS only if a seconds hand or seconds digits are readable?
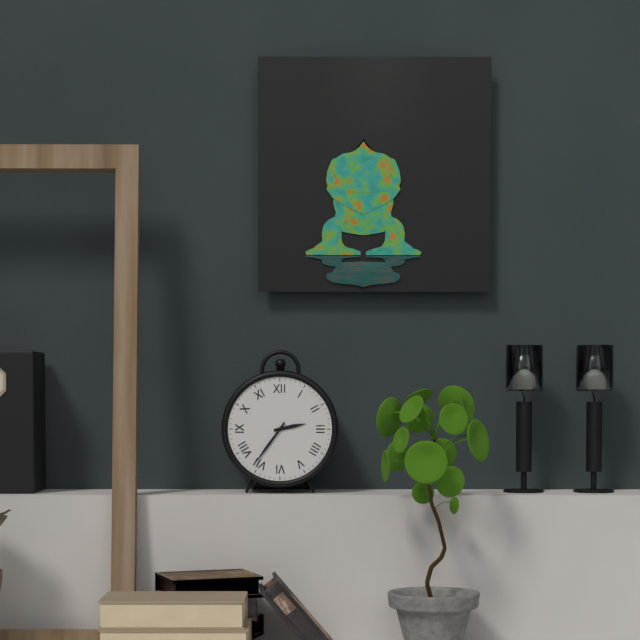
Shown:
2:36
